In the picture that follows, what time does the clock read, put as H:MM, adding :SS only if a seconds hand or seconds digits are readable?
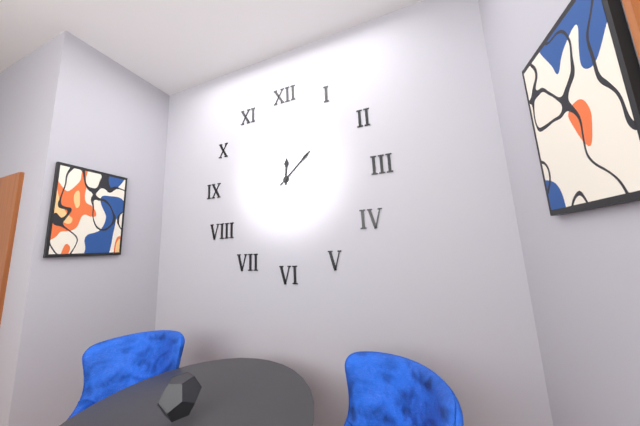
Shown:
12:08
